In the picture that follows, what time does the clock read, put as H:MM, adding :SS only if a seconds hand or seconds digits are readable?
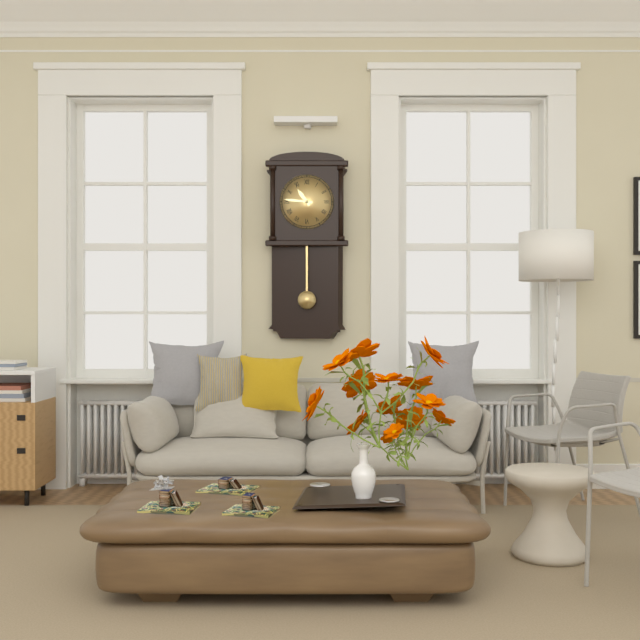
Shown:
10:46
